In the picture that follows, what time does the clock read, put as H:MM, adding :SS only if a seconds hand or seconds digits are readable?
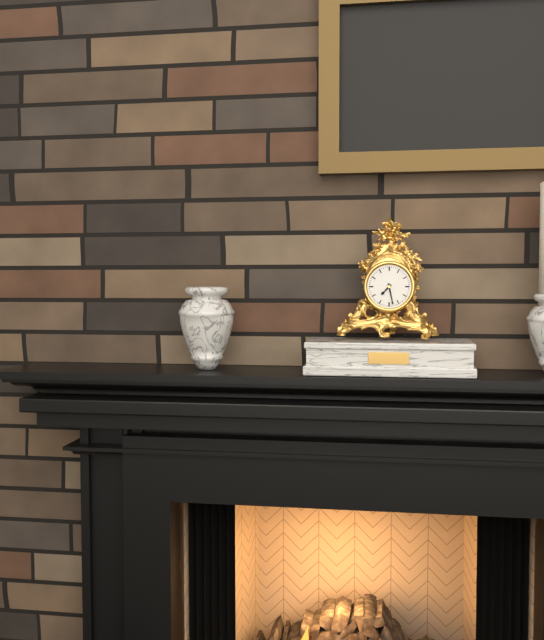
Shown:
7:28
